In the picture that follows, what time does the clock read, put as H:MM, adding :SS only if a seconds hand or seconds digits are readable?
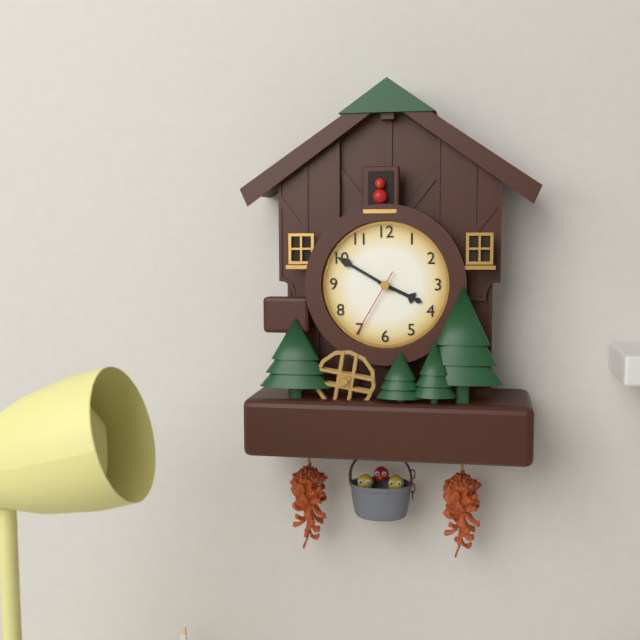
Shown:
3:50:35
